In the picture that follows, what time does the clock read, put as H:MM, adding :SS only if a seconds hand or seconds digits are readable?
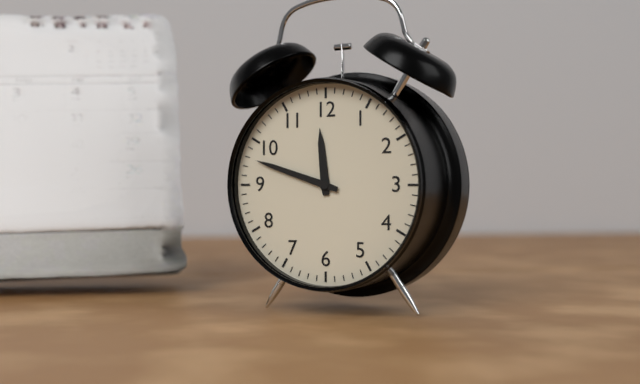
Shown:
11:48
